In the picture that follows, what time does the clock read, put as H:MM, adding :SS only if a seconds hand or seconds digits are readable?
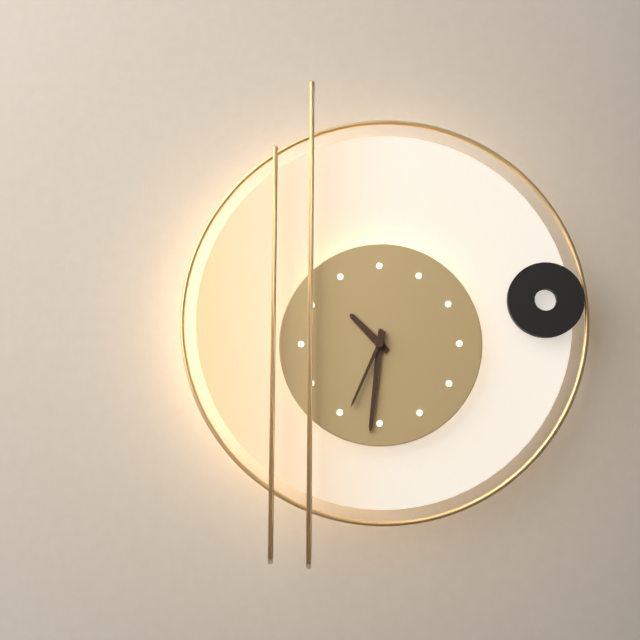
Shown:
10:31:34
